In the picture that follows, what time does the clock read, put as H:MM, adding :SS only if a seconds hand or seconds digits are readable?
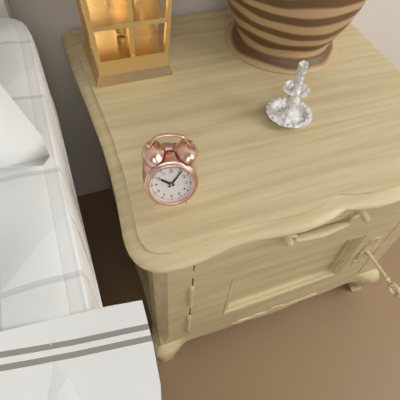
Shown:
10:06
